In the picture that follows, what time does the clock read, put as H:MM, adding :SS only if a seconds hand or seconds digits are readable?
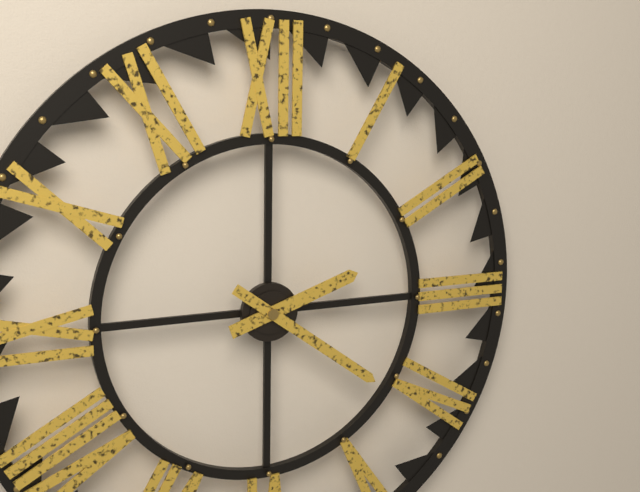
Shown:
2:21
